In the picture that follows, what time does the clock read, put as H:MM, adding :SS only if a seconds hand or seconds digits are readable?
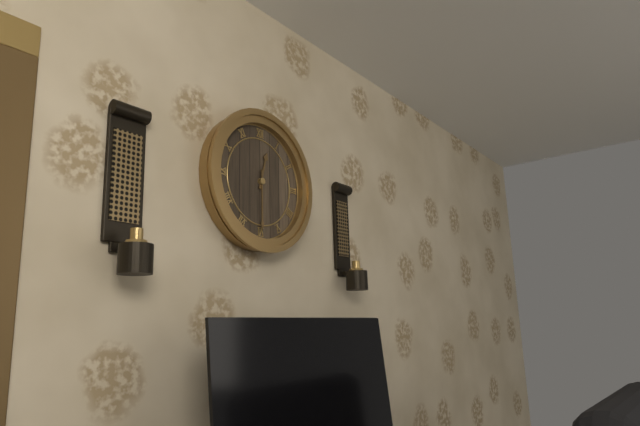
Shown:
12:30
